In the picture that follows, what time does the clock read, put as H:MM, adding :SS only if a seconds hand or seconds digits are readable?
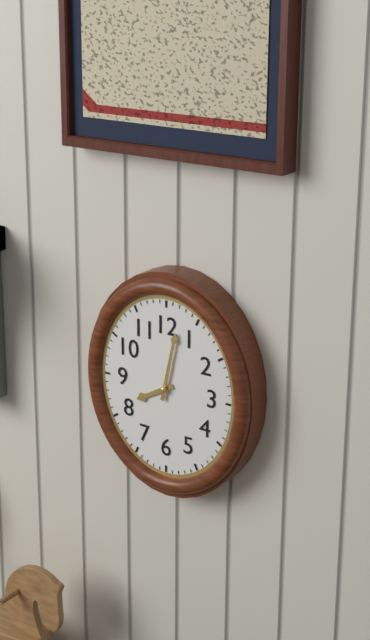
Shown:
8:02
